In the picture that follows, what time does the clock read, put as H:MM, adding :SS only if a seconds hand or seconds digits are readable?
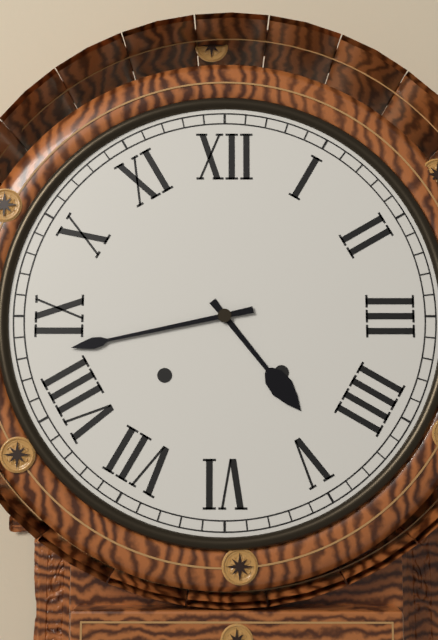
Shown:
4:43
